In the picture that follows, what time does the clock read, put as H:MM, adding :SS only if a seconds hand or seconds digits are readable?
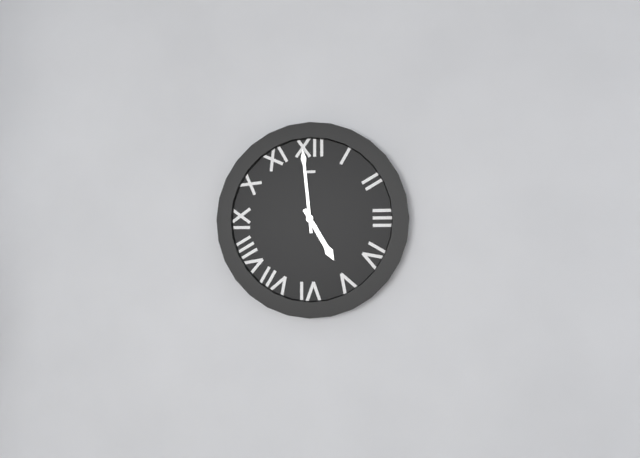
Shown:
4:59
